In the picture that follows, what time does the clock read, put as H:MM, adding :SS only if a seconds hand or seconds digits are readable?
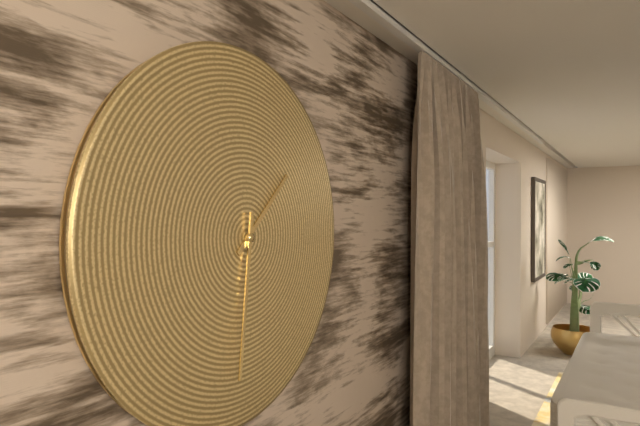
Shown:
1:31
